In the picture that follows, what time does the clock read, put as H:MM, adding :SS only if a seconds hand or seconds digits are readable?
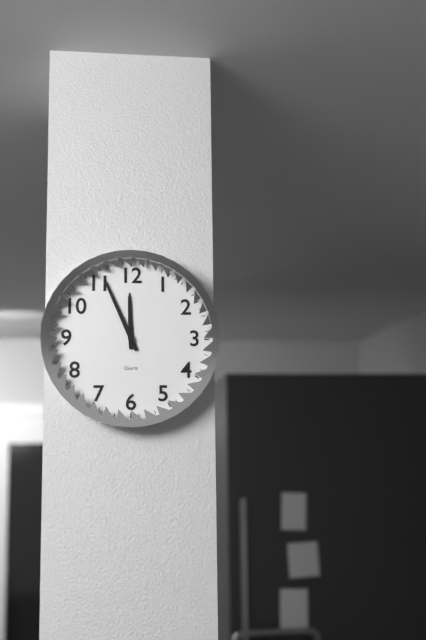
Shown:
11:56
